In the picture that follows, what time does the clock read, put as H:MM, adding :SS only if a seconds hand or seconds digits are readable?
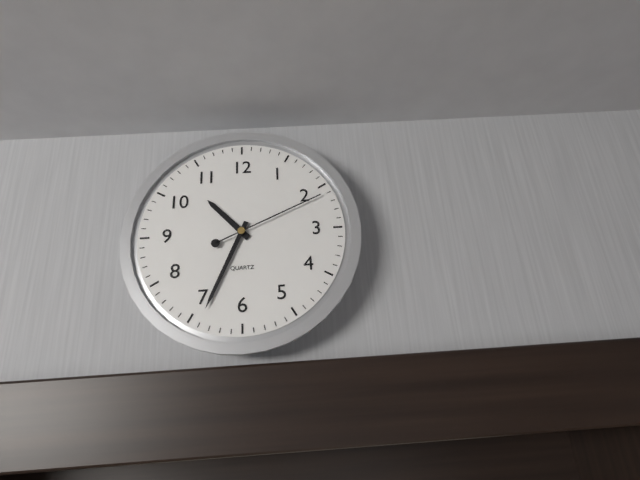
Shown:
10:34:11
